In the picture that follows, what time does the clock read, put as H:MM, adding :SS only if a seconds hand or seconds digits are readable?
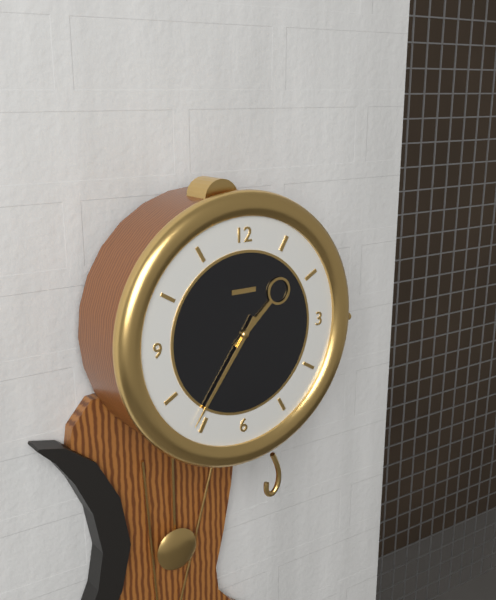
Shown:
1:36
